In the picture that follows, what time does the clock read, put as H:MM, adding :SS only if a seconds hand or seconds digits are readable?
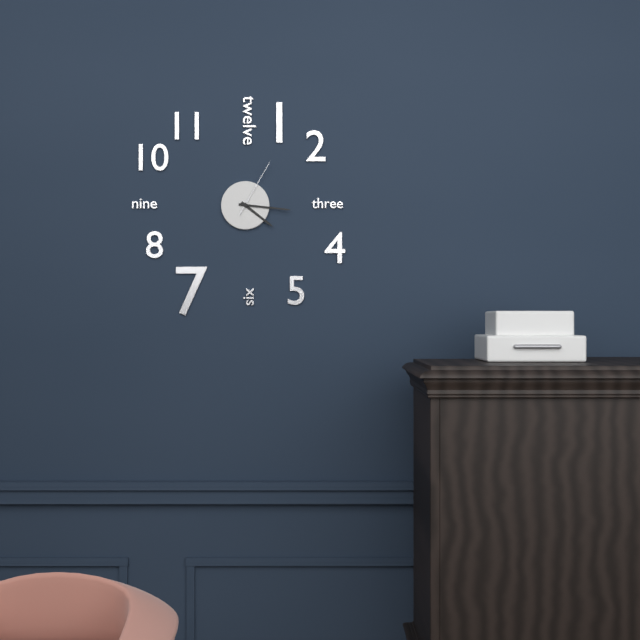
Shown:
4:16:05
